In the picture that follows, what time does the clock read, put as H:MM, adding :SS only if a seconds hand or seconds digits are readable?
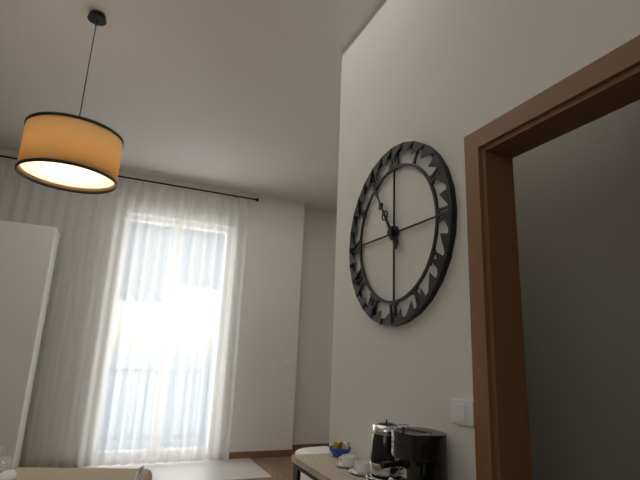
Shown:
10:55
